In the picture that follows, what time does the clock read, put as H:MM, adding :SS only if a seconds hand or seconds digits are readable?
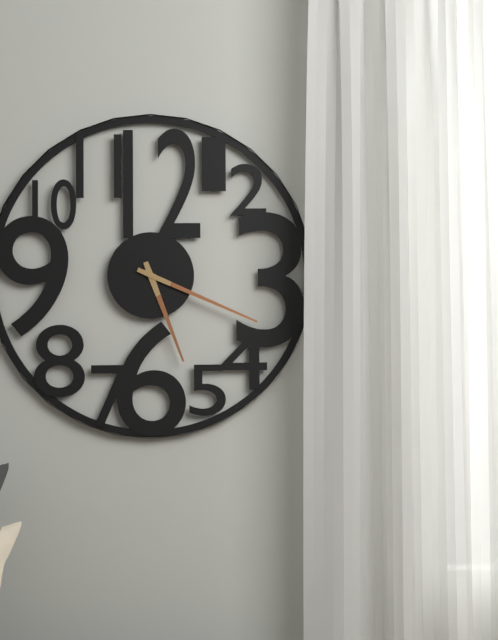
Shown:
5:19
